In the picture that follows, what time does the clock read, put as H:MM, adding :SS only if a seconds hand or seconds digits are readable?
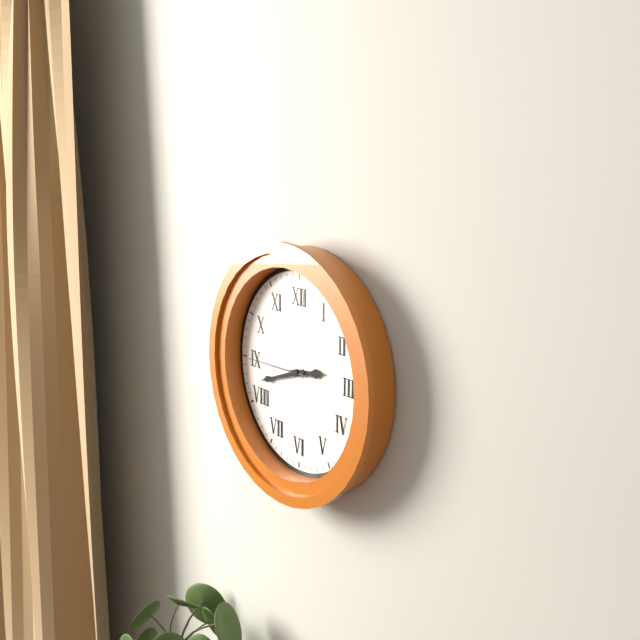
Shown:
2:42:45
